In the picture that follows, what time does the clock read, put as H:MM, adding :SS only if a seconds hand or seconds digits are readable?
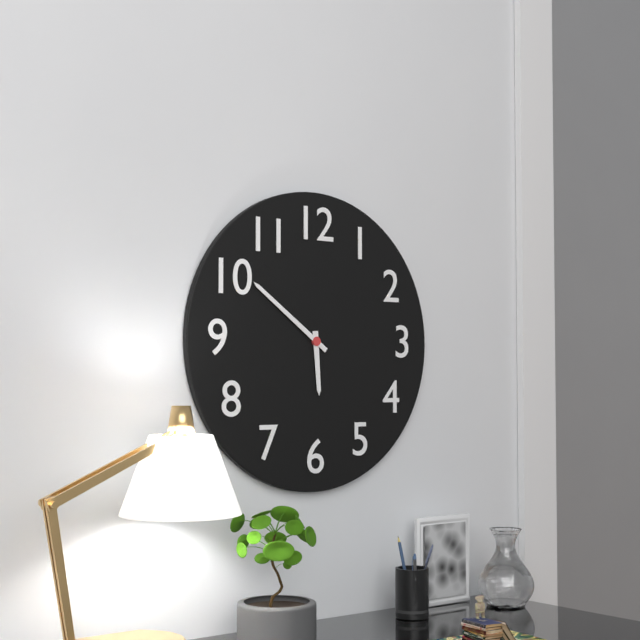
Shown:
5:51
